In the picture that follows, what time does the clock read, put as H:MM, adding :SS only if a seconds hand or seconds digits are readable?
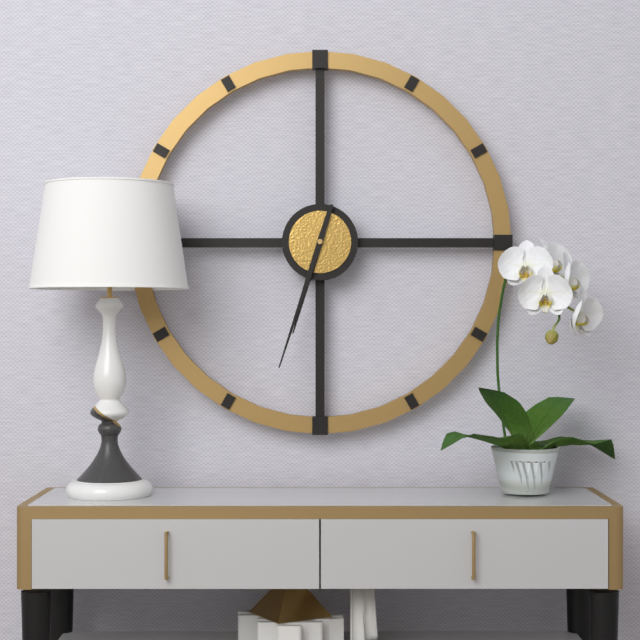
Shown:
6:33
